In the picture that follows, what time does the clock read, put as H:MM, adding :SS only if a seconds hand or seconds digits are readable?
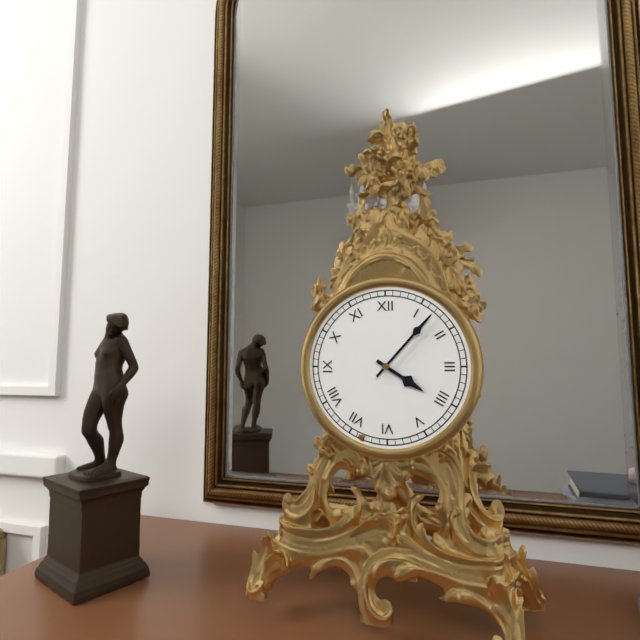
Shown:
4:07
